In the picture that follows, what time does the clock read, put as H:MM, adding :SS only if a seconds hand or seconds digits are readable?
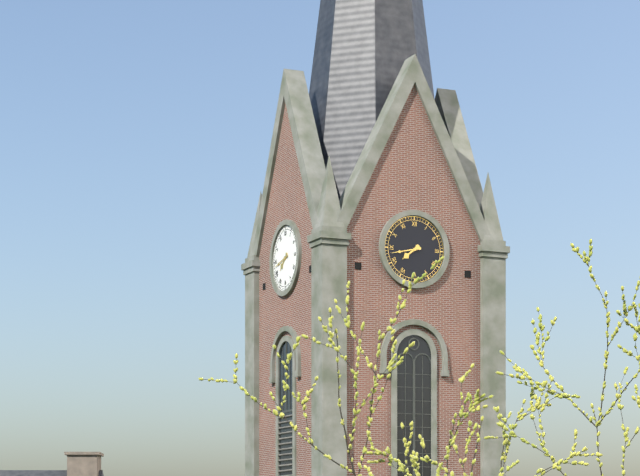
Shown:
7:43
